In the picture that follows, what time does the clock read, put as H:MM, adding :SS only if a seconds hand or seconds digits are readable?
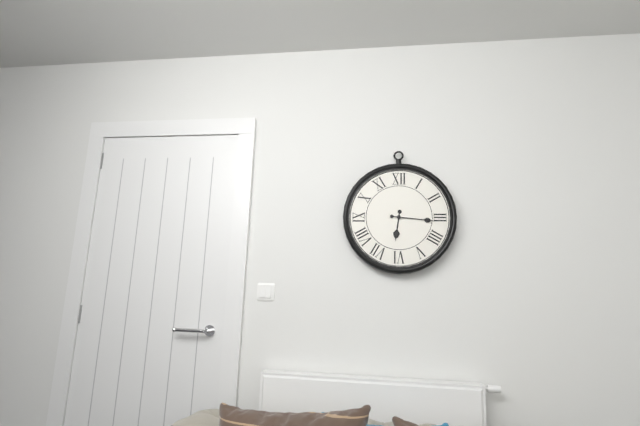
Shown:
6:16
